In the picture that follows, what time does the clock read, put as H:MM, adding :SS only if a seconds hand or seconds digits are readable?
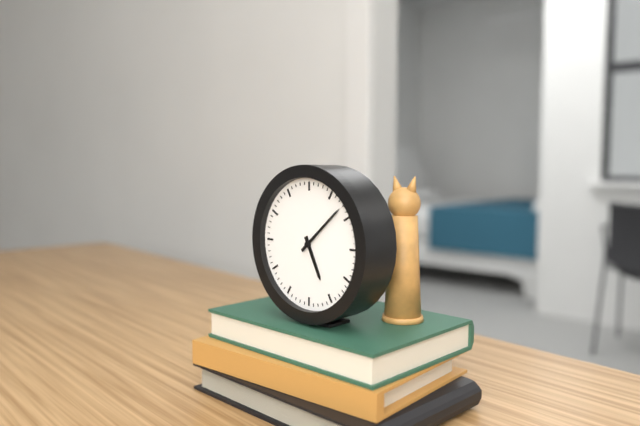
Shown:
5:08
